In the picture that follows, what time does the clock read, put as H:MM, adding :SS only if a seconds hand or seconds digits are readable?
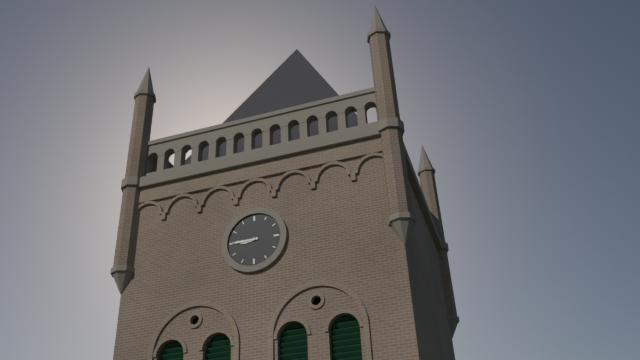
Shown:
8:45
